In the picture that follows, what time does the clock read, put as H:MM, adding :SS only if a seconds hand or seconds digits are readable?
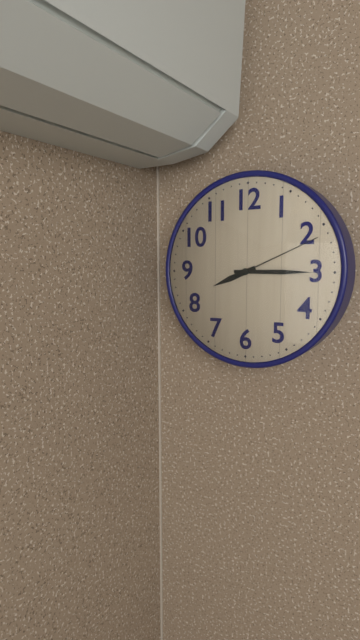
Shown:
8:15:11
